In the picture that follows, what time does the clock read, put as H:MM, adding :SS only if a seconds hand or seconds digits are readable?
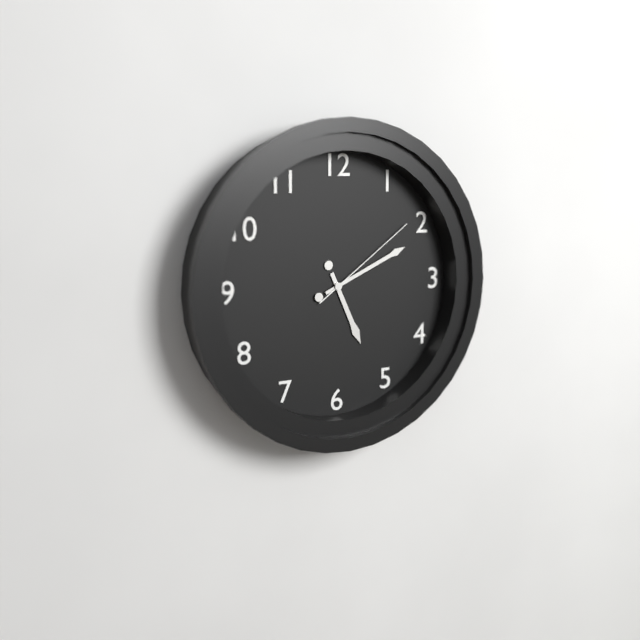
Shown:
5:11:09
